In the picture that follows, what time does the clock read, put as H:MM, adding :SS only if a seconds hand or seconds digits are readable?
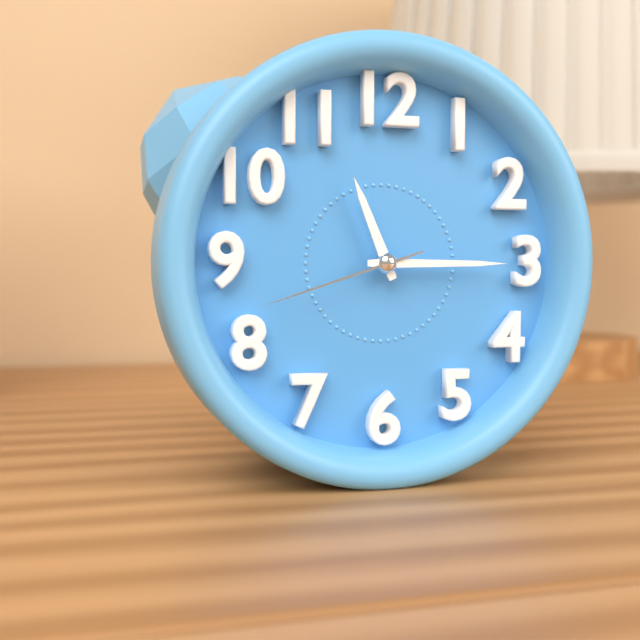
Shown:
11:15:42
